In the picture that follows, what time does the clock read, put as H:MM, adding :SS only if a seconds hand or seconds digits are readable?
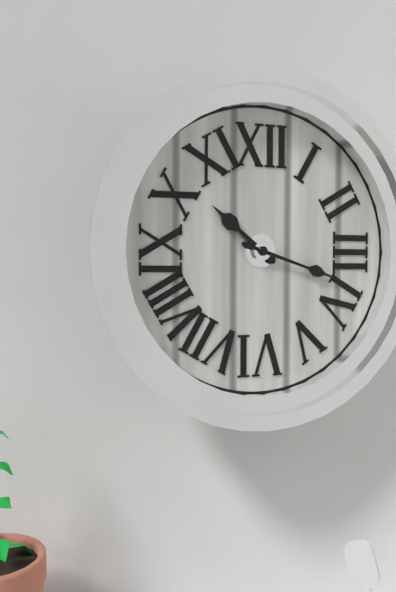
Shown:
10:18
